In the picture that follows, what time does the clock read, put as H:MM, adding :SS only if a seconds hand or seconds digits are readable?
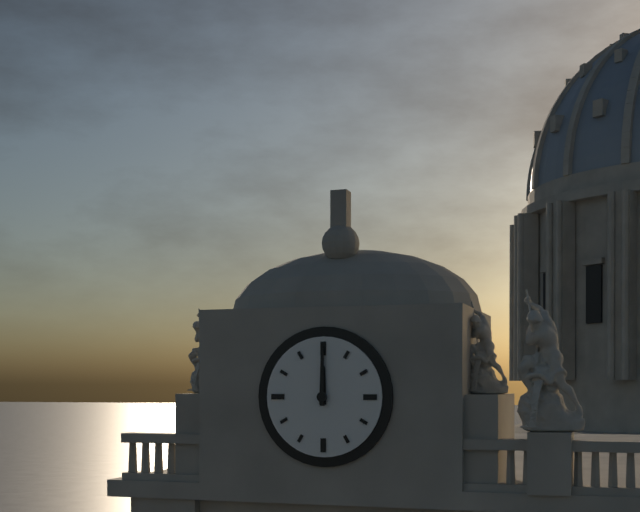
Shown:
12:00
